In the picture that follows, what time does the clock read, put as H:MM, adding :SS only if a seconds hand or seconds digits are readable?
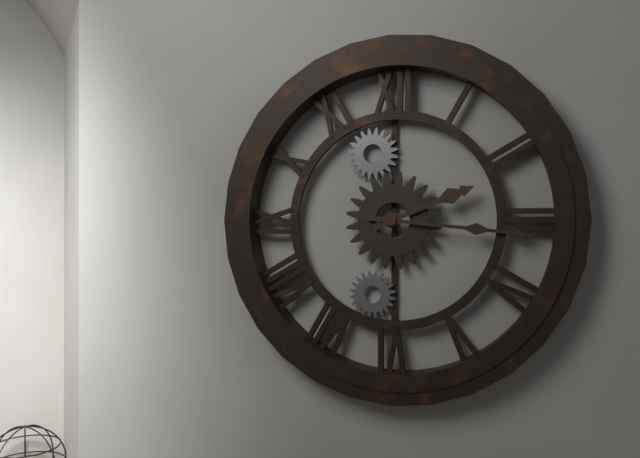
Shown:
2:16
